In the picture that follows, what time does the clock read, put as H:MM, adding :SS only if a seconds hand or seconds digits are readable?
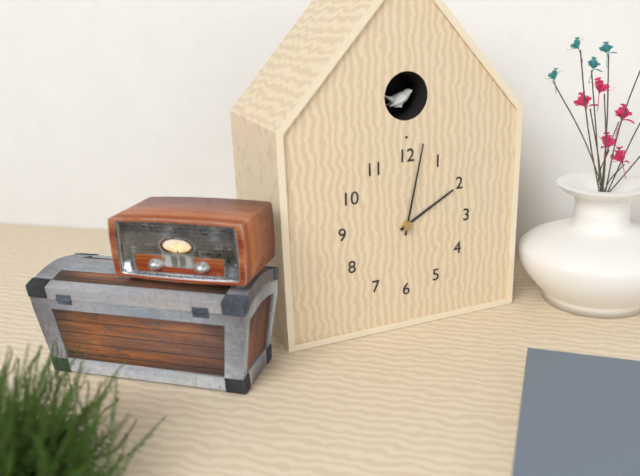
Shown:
2:02
